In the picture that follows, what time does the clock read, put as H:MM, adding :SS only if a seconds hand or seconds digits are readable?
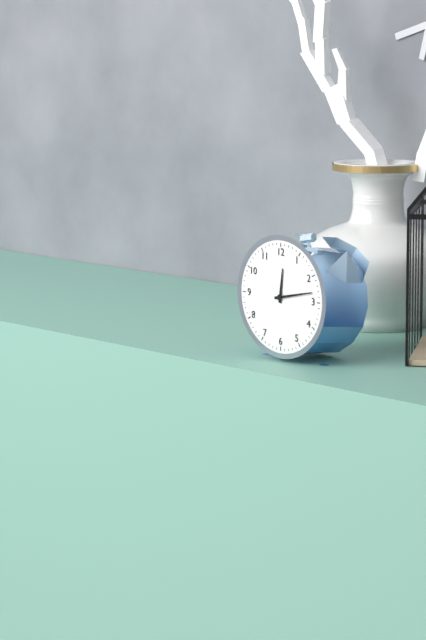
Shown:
12:13
